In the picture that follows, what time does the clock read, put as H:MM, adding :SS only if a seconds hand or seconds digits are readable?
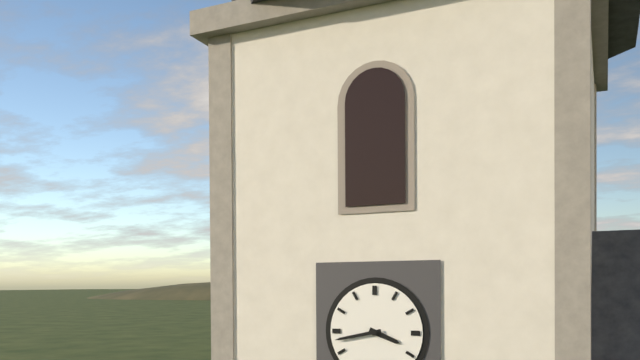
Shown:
3:43
